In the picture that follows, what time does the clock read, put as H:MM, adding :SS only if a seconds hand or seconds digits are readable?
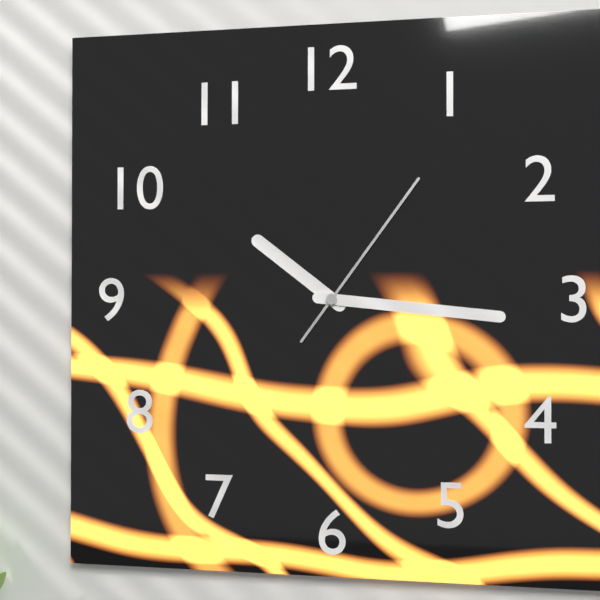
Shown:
10:16:06
